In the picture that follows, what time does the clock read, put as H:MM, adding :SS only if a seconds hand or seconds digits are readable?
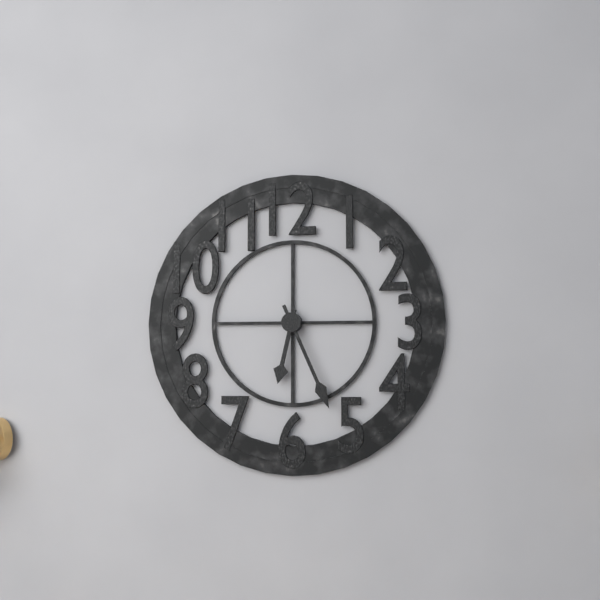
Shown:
6:26
